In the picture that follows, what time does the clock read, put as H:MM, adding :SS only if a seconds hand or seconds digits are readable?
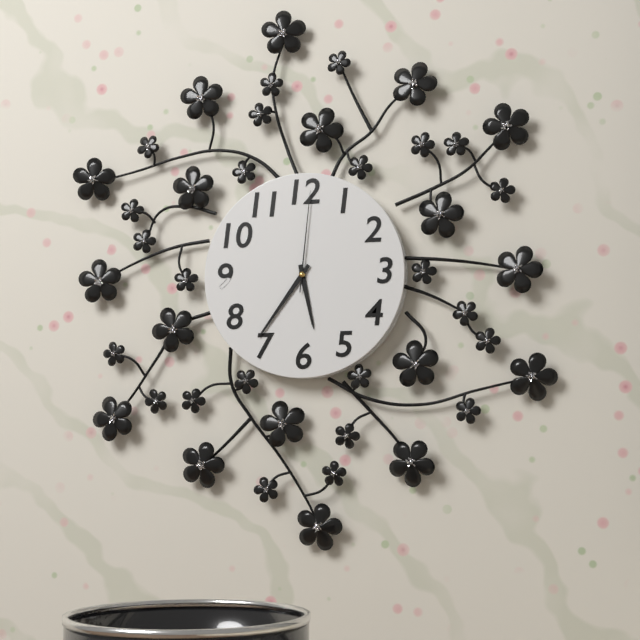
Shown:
5:36:01
